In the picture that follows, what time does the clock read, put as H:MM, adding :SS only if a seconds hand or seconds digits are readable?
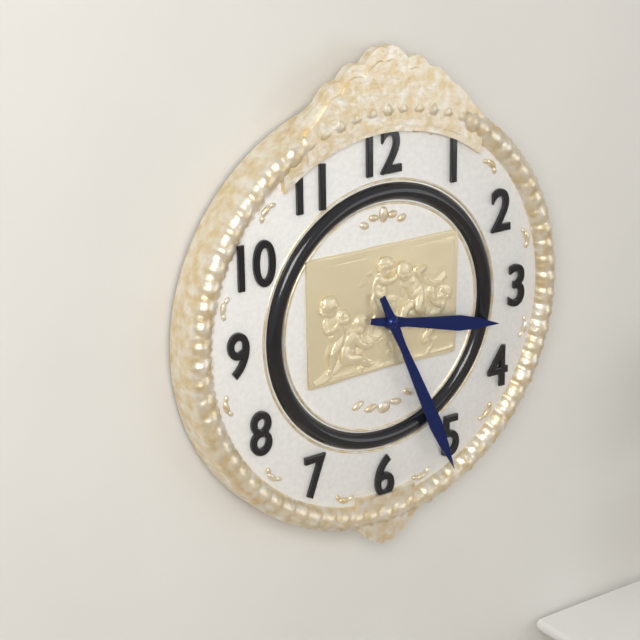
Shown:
3:26
